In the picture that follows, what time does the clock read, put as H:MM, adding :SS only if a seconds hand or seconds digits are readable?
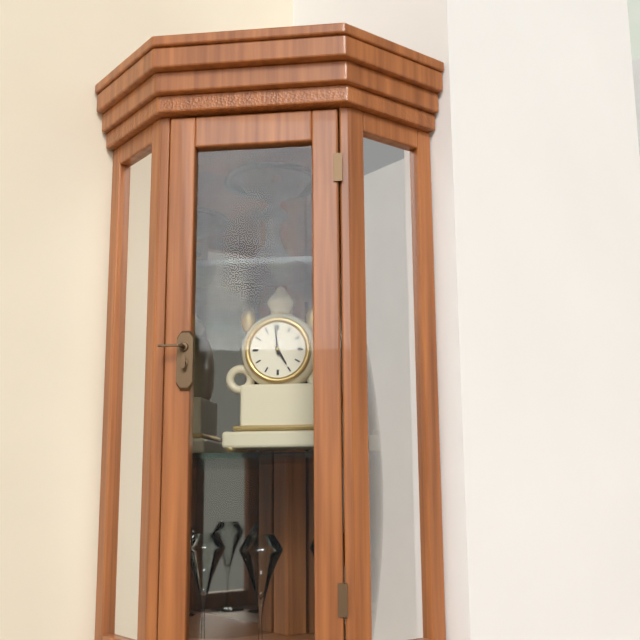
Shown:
4:59
